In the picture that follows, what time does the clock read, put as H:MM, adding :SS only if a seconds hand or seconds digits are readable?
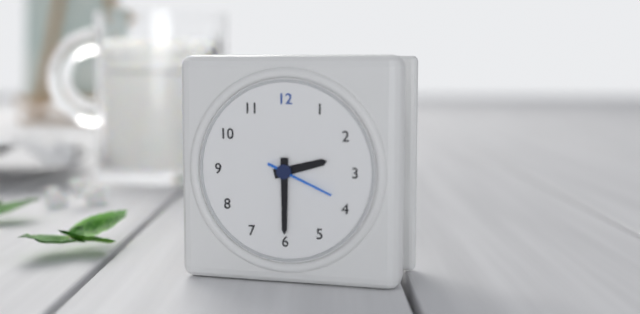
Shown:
2:30:19
